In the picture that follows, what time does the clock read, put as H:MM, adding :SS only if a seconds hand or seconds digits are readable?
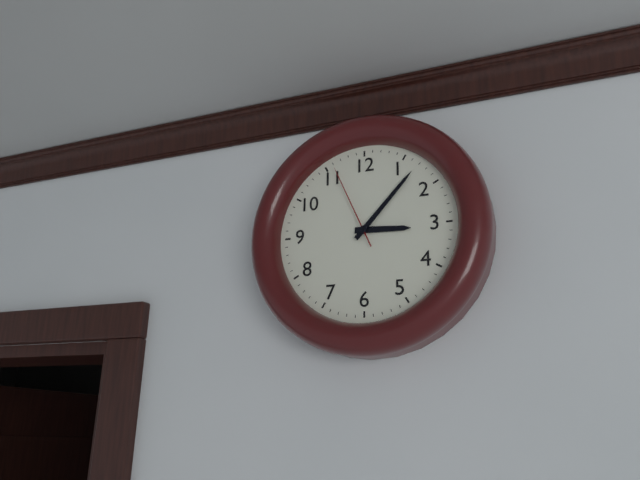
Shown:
3:07:56
